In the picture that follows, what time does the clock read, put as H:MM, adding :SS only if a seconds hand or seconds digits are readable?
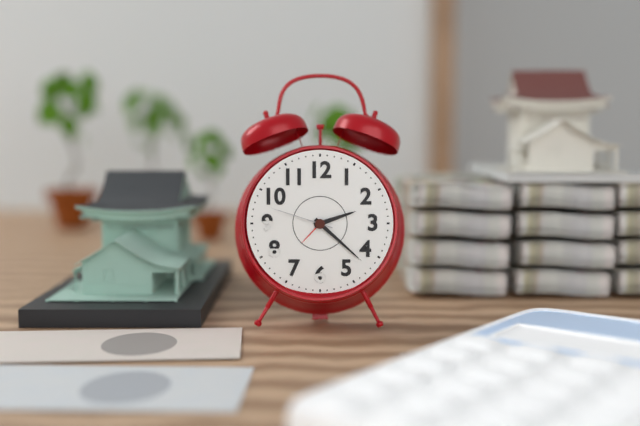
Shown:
2:22:48
